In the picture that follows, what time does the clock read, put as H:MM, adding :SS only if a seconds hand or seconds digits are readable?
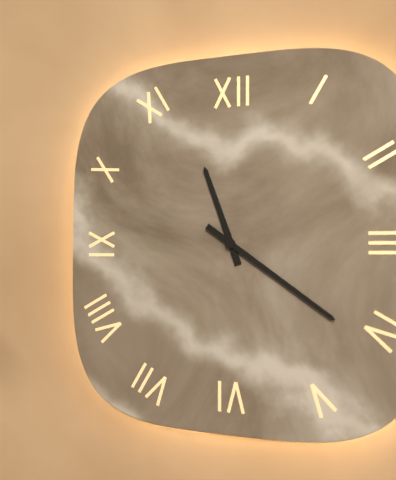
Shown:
11:21
